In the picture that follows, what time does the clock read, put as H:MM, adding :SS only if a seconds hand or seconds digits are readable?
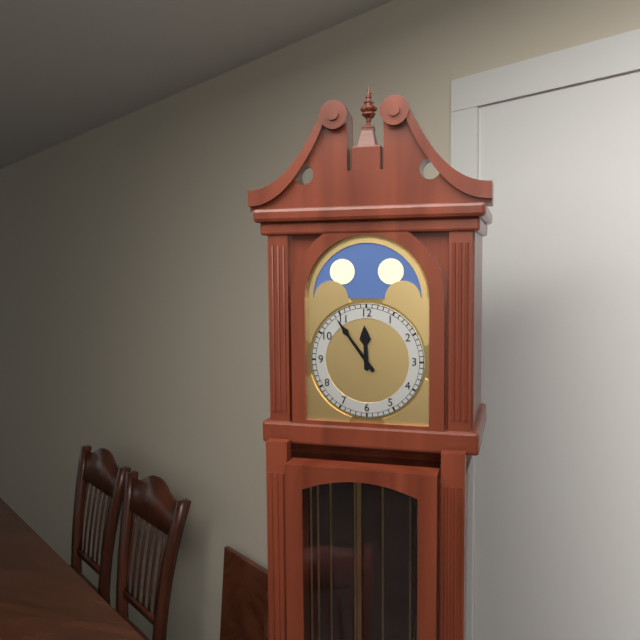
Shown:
11:54
